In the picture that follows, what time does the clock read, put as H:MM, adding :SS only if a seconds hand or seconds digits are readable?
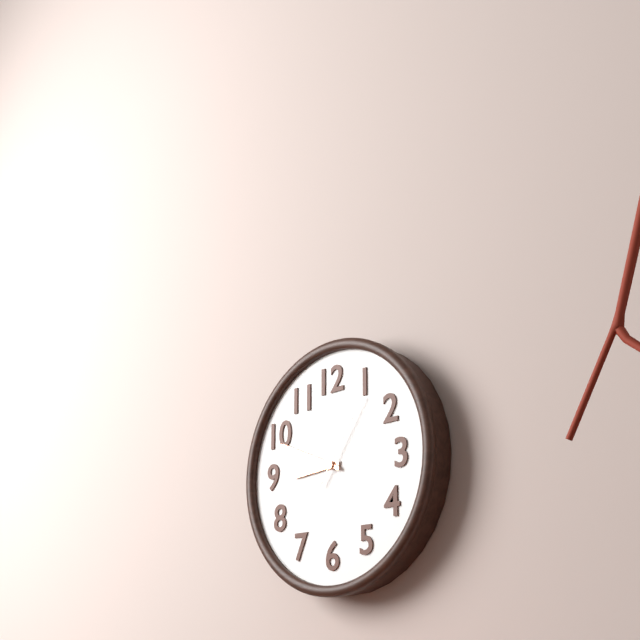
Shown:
8:49:06
